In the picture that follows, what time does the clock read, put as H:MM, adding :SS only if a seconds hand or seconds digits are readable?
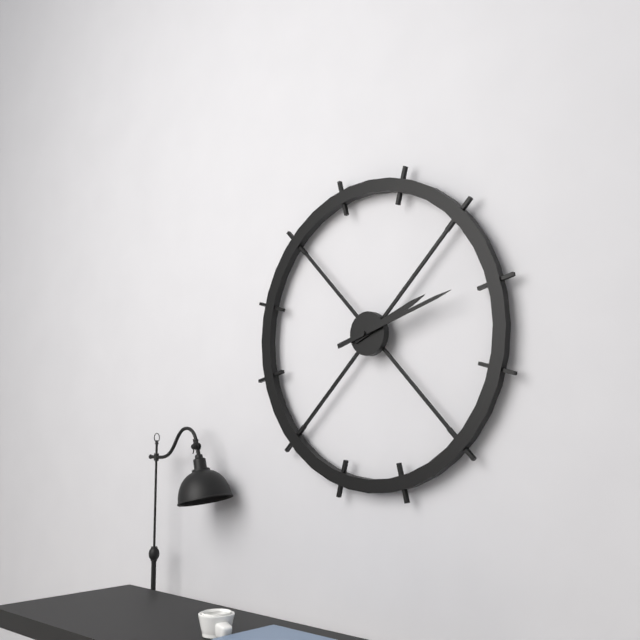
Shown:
2:12
